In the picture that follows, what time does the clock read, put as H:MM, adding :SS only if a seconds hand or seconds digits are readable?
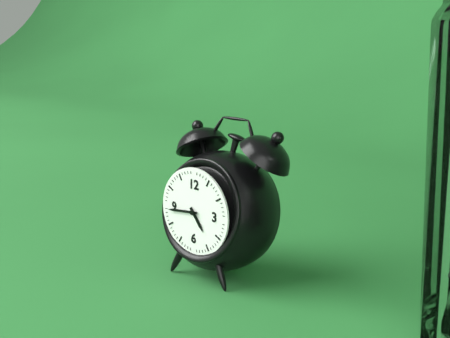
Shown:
4:44
